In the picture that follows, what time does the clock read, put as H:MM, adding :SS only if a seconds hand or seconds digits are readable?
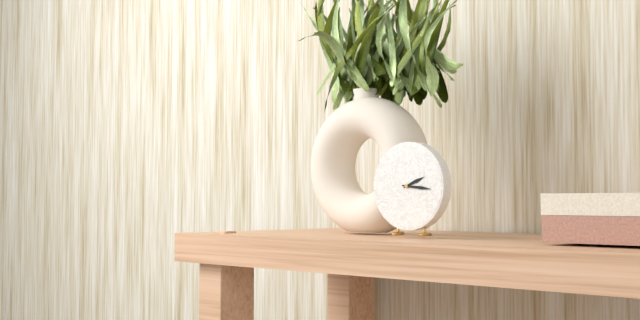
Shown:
2:16
